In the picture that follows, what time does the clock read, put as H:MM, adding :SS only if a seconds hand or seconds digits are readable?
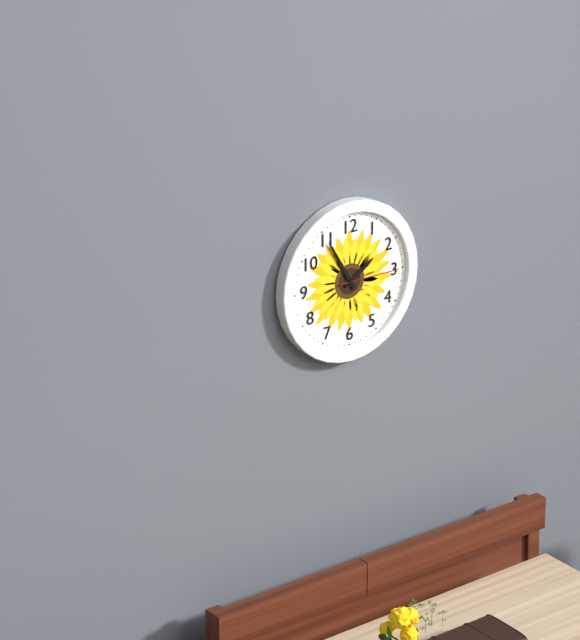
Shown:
1:55:15
